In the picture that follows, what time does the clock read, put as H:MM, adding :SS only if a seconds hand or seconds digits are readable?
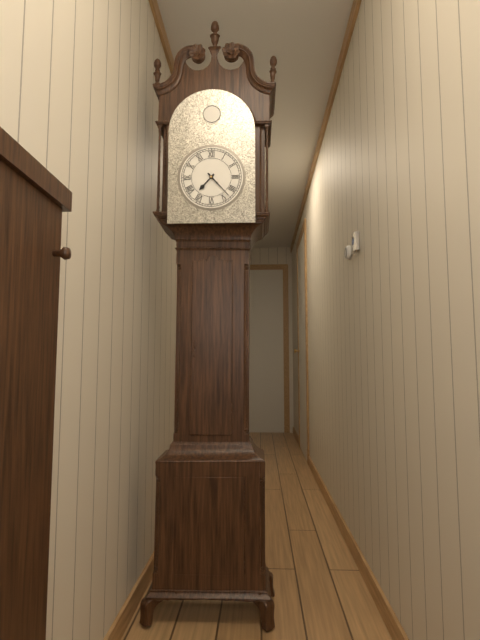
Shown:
7:23
